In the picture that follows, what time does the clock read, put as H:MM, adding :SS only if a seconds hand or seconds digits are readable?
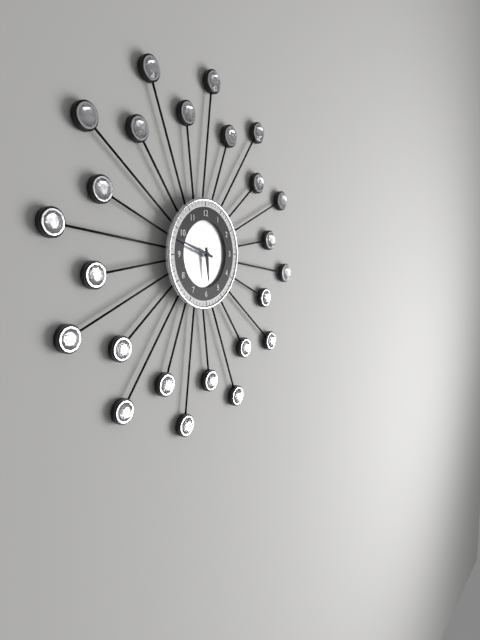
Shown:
5:48
